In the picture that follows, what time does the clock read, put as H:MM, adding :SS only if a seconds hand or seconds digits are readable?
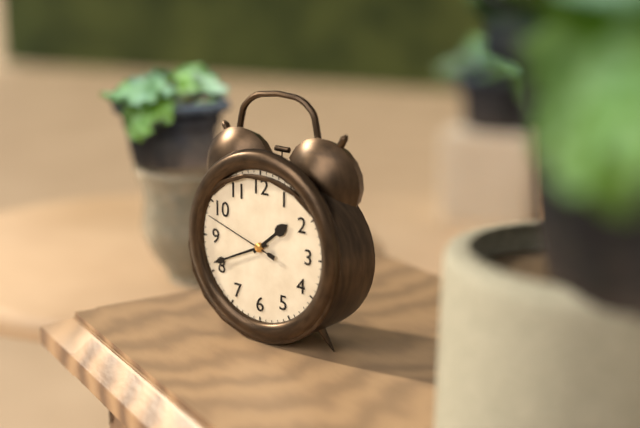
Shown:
1:41:48
